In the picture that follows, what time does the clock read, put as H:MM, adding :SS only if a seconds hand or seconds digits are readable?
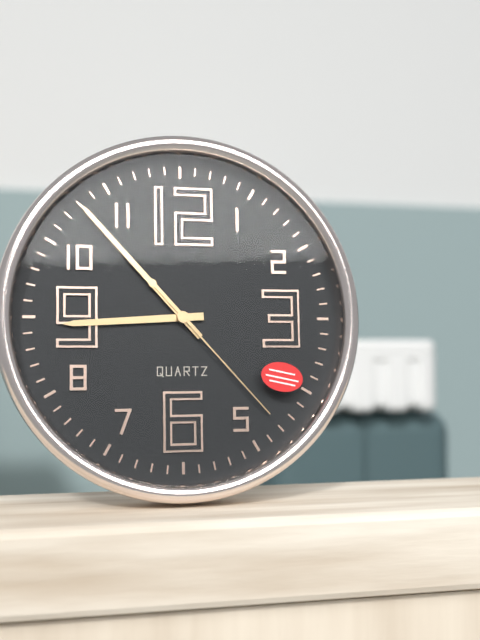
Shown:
8:53:23
